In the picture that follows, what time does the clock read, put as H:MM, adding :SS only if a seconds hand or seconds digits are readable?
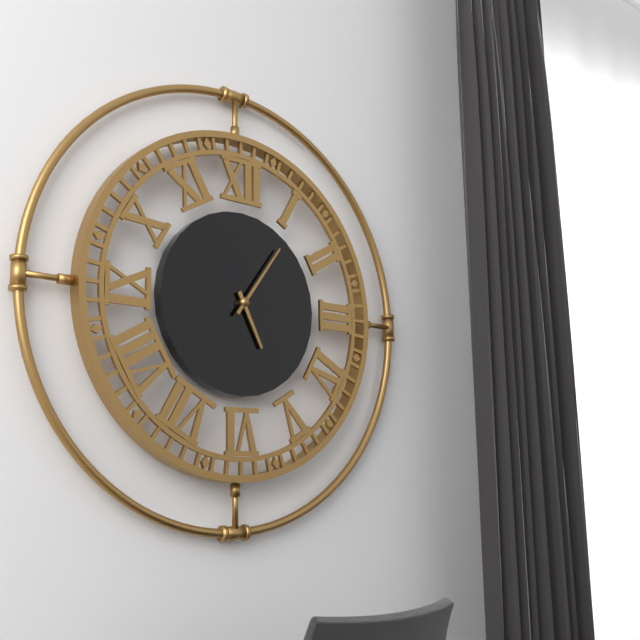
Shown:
5:06
